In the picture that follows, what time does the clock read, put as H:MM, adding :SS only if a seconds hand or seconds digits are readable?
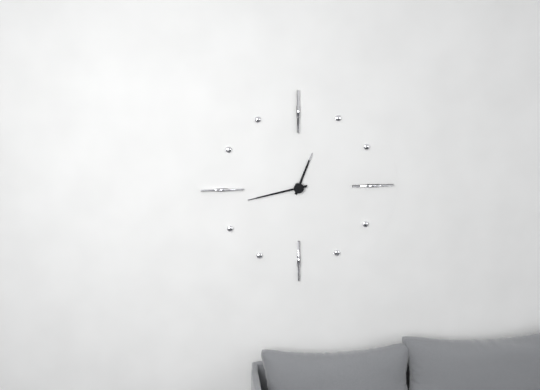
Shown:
12:43
